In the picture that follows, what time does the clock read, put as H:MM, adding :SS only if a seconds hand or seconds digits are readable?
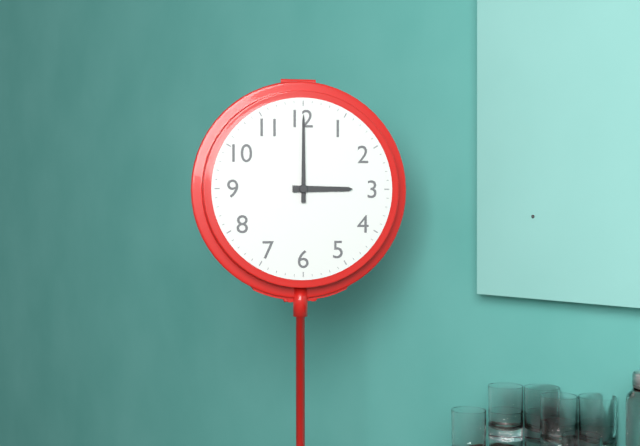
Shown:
3:00
